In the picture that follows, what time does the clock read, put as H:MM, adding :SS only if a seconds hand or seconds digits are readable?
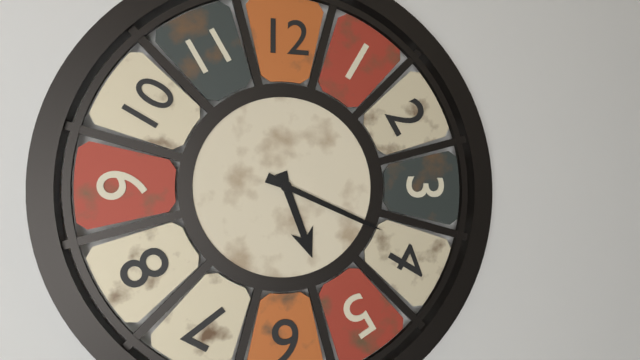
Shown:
5:19
